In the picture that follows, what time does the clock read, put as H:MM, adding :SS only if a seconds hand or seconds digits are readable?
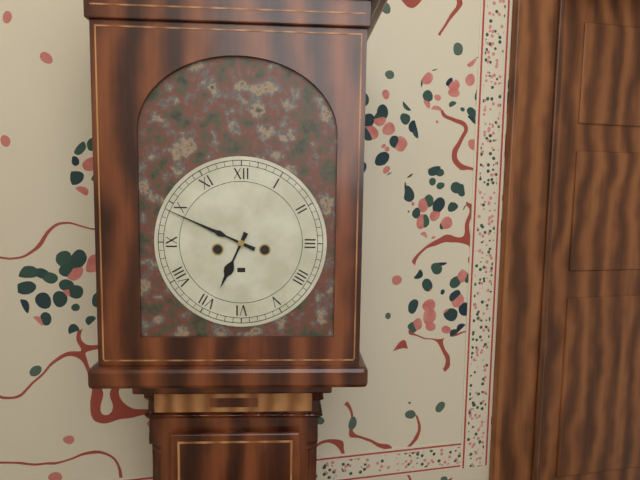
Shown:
6:49
